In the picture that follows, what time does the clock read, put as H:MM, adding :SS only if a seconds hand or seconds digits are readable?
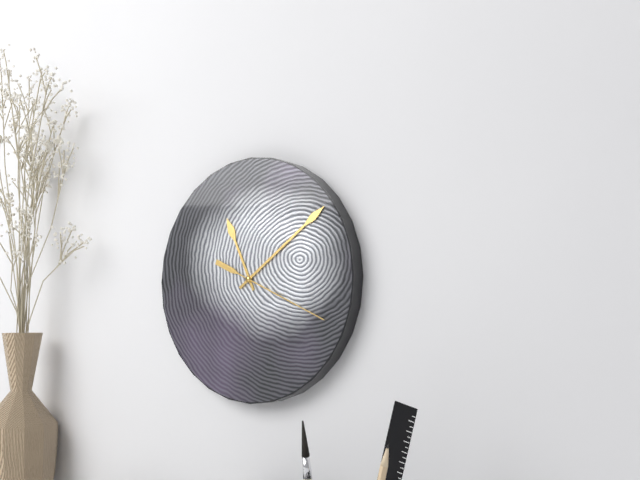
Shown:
11:09:19
